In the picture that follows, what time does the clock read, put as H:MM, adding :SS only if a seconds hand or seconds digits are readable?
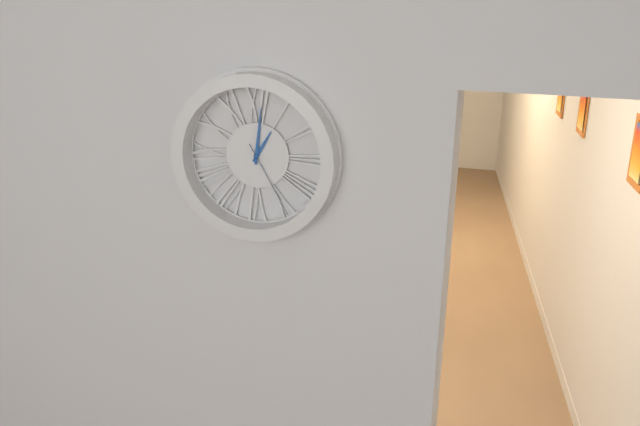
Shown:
1:01:25
